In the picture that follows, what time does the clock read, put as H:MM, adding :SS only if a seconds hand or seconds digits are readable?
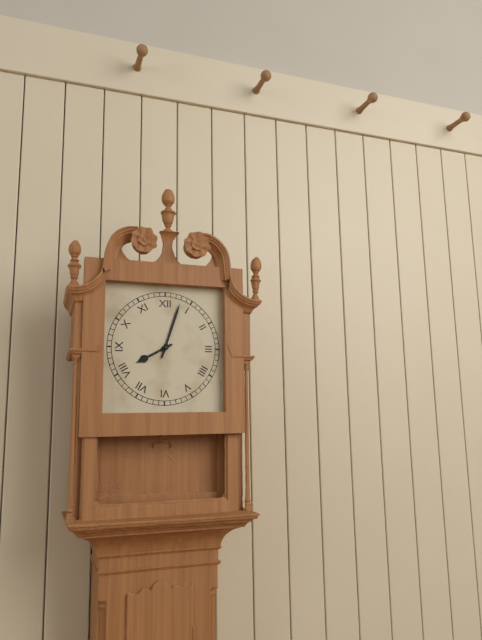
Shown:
8:03
